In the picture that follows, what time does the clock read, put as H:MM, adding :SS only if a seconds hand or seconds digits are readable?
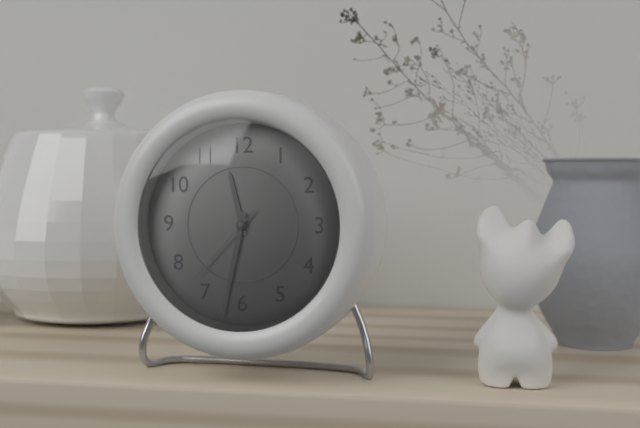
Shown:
11:32:37
